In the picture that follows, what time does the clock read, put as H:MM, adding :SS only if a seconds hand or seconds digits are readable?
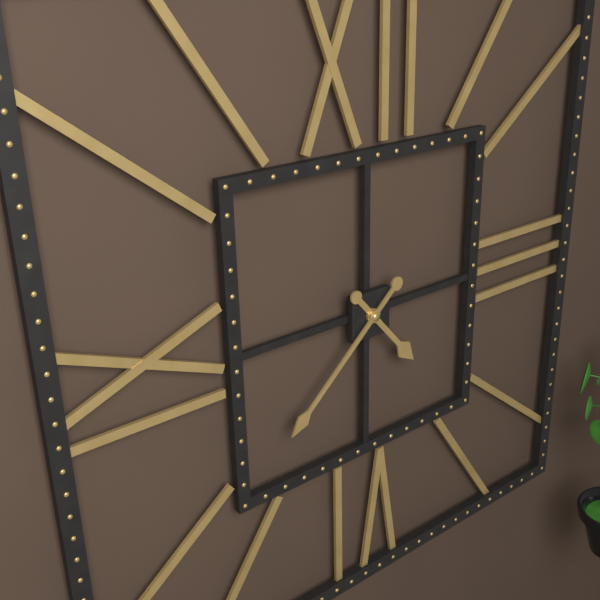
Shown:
4:38
